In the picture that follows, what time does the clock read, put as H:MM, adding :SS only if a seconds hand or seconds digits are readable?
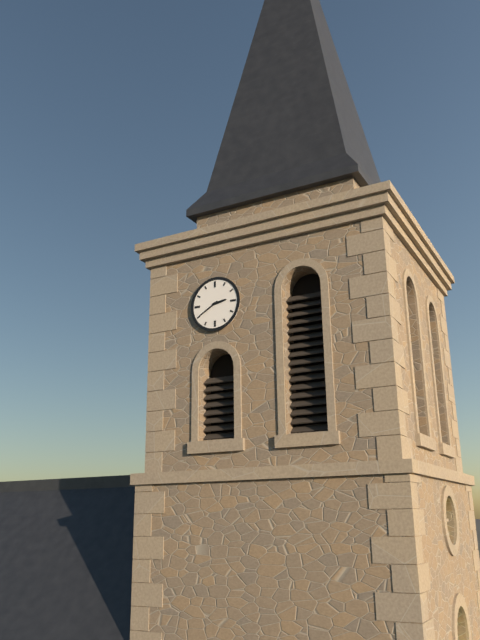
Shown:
2:40
